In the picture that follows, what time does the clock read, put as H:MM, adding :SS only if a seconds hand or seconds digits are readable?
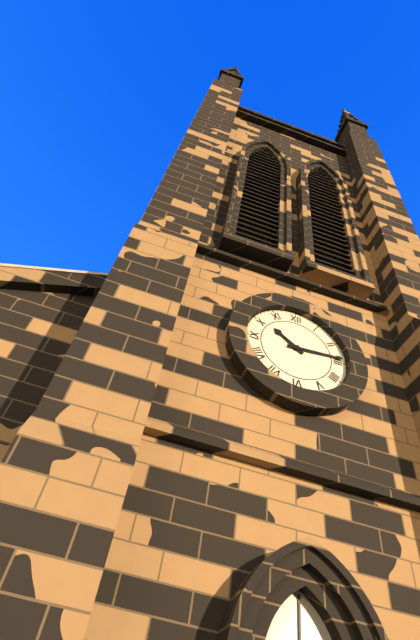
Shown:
10:14
